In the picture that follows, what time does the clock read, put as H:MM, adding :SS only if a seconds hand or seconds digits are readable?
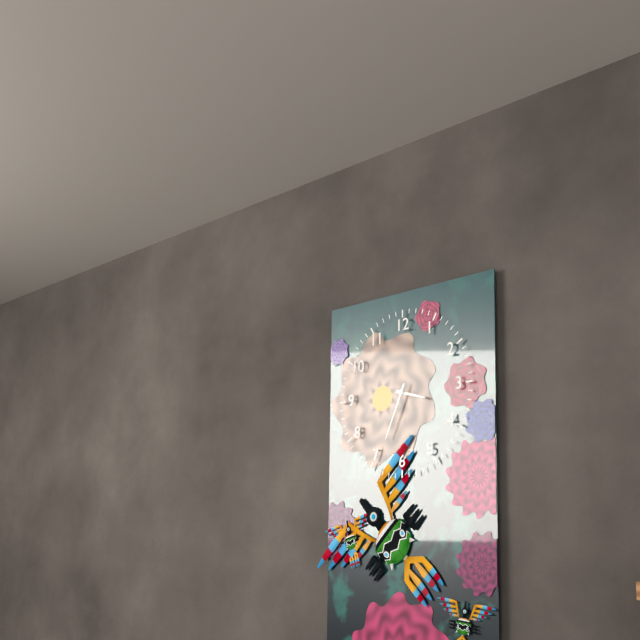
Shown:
3:34
